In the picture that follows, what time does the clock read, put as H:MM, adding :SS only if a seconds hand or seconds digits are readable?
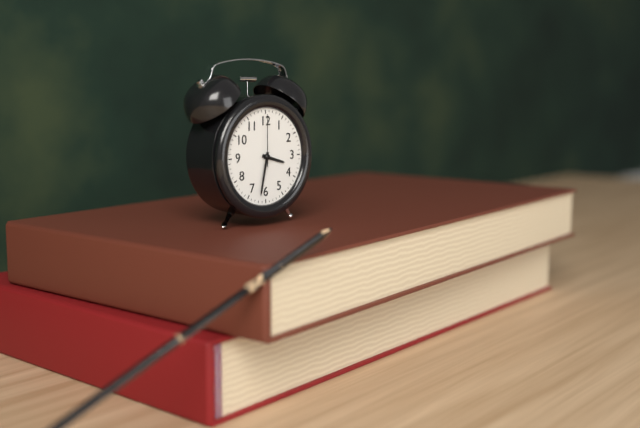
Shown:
3:32:00
